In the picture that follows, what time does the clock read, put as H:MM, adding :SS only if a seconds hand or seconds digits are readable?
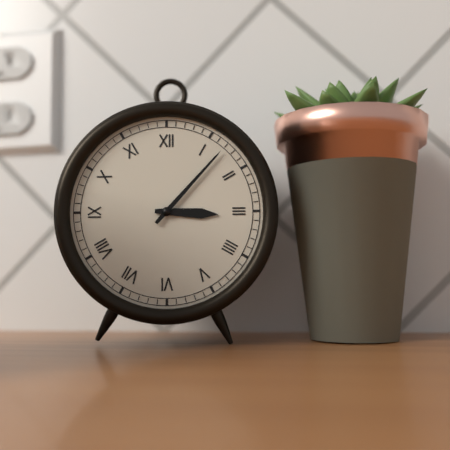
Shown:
3:07
